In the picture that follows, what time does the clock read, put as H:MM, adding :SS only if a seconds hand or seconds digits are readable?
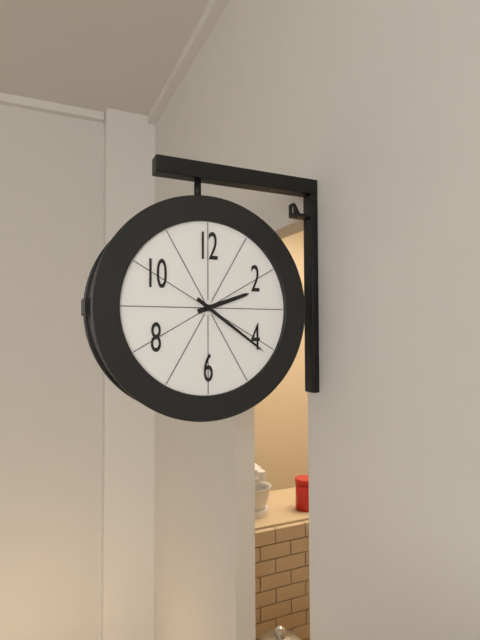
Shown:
2:21
